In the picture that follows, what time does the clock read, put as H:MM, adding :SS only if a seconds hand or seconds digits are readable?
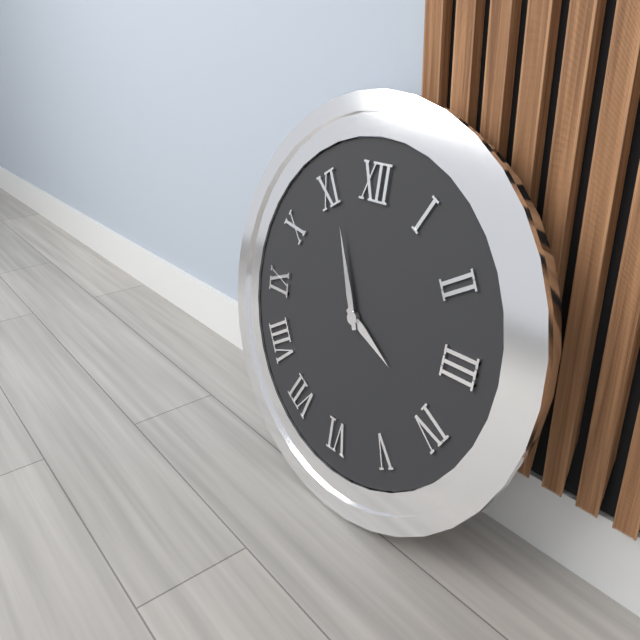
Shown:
3:56
